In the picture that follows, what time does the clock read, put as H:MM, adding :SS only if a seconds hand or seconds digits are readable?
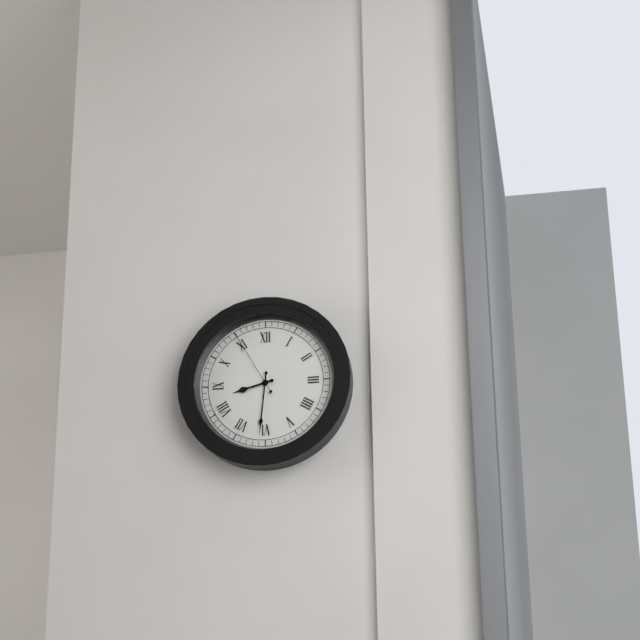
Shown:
8:31:55
